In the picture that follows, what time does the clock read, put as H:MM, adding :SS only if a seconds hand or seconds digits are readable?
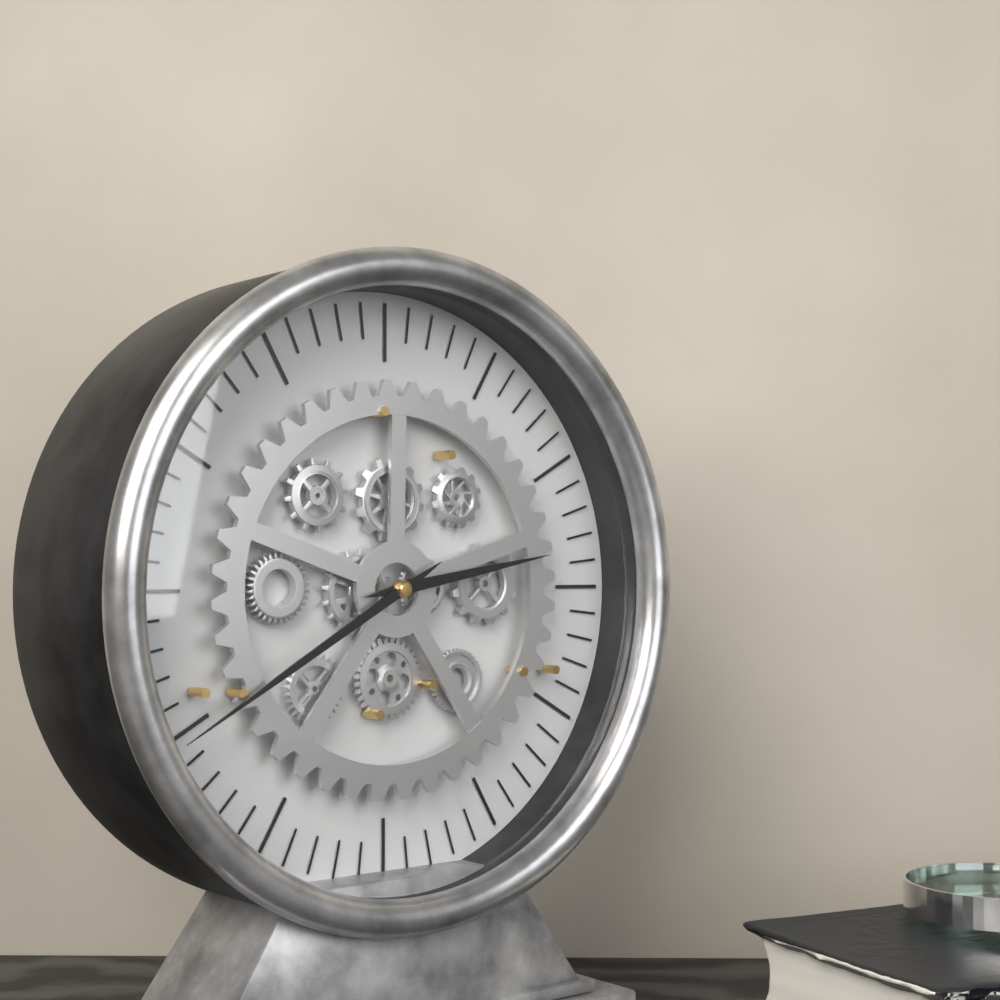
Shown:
2:40
